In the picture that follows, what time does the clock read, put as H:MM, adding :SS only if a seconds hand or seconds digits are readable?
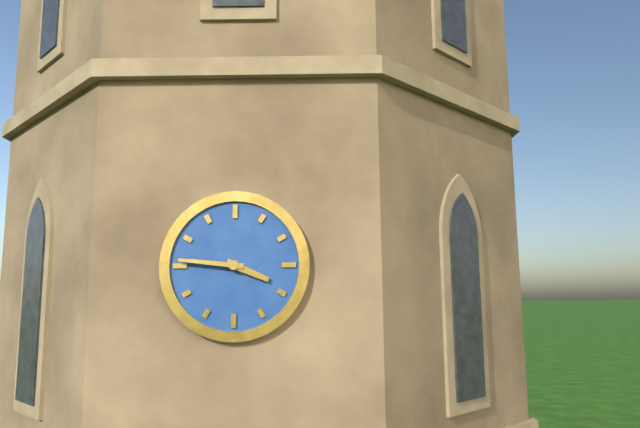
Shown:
3:46
